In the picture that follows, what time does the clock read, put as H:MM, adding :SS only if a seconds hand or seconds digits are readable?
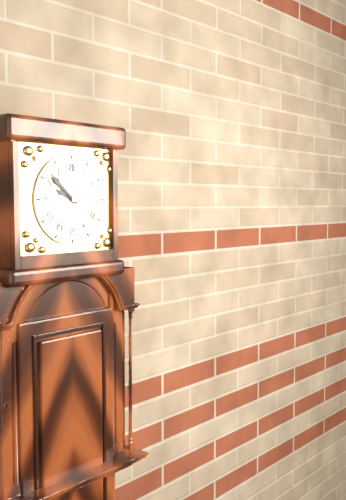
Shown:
9:52
